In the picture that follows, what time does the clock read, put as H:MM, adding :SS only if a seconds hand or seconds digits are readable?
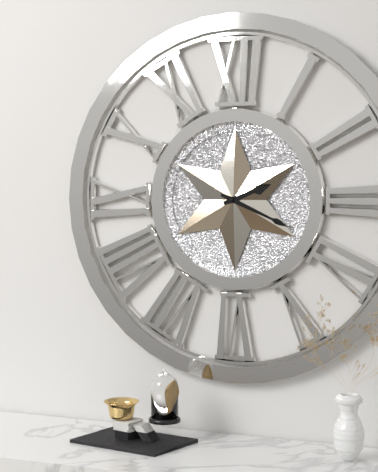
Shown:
2:19
